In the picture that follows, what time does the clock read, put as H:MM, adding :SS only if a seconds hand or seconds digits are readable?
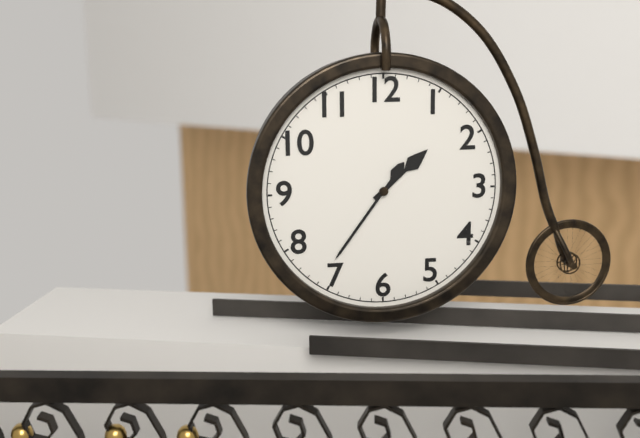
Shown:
1:36
